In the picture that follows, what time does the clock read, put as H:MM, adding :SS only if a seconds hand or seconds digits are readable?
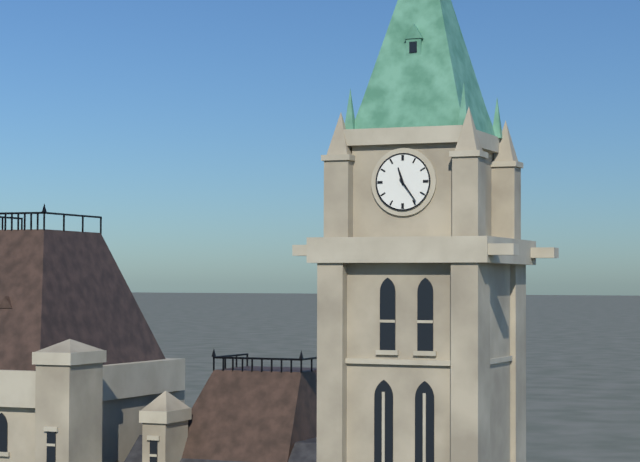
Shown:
11:24
